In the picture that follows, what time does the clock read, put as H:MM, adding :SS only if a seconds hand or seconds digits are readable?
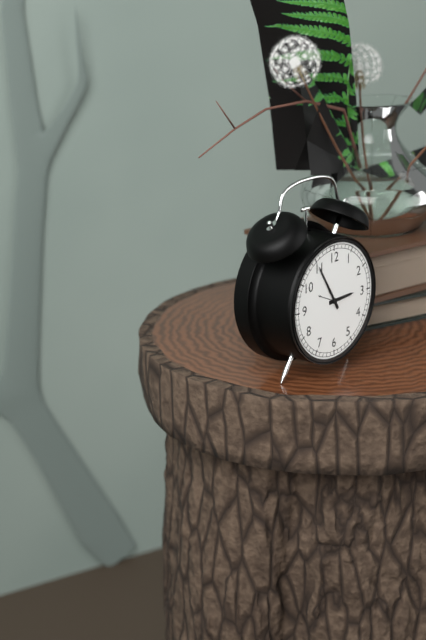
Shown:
2:55
